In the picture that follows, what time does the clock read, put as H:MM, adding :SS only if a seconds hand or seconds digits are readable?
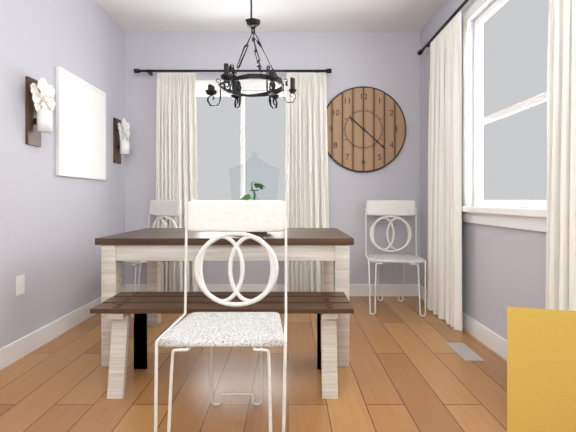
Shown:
10:22
